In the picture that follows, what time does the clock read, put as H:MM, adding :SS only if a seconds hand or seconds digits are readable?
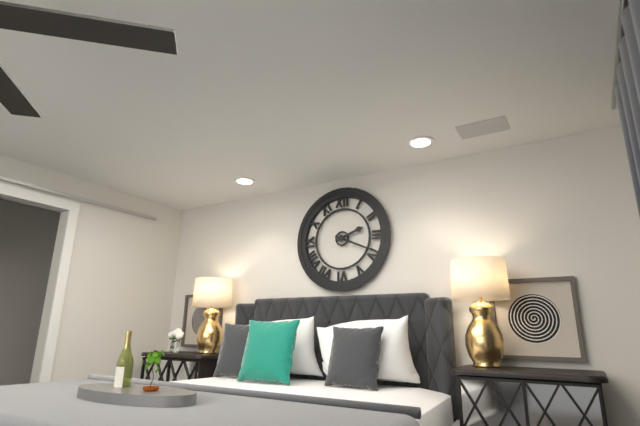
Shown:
2:19
